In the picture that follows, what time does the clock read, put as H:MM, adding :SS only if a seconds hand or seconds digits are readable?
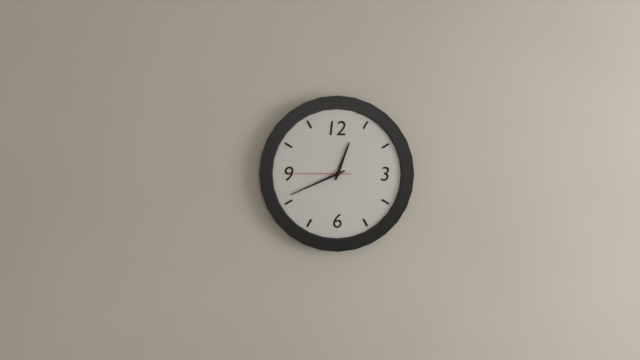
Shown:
12:41:45
